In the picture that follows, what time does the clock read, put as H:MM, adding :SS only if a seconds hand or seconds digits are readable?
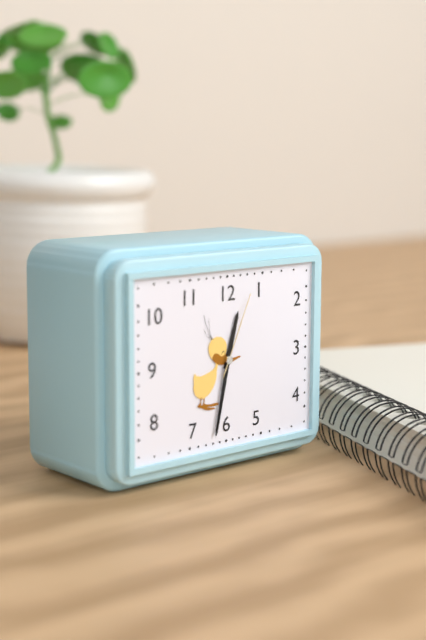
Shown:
12:32:04
